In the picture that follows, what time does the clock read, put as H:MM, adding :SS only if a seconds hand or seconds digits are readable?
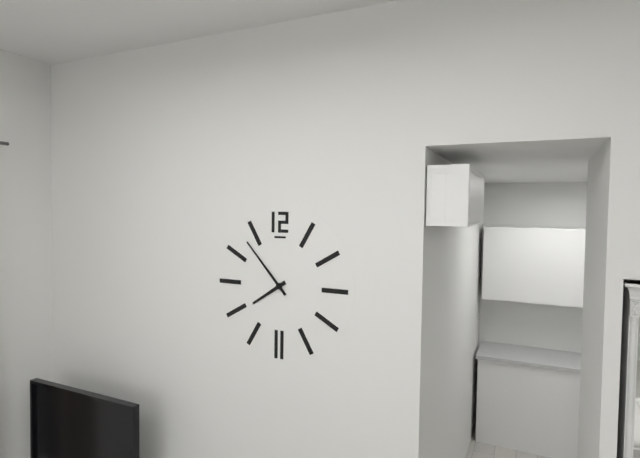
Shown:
7:53
